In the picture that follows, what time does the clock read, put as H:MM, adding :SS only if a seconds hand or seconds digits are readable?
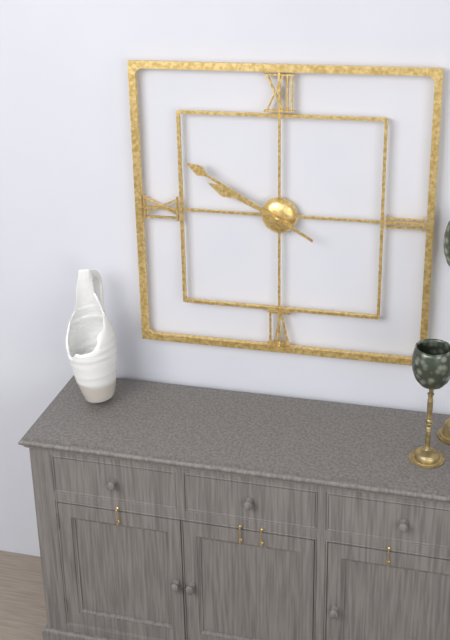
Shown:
9:50
